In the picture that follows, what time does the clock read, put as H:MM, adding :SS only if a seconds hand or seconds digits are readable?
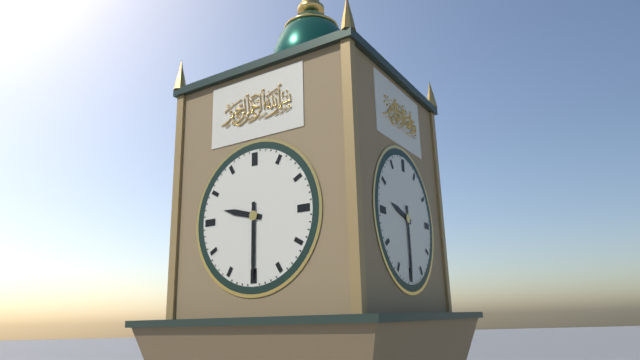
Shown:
9:30
